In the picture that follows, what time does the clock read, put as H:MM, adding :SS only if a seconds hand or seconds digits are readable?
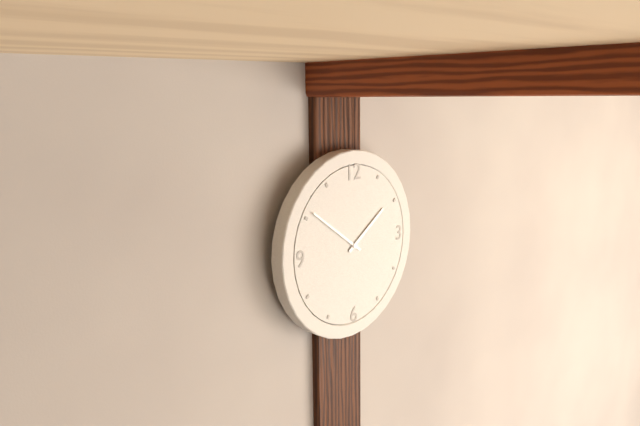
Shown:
1:51
